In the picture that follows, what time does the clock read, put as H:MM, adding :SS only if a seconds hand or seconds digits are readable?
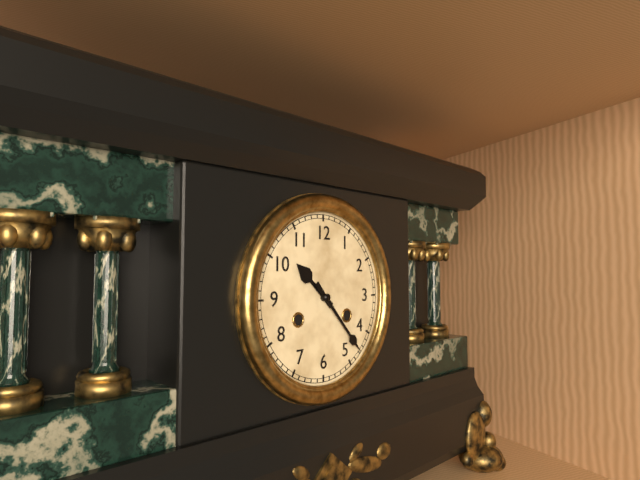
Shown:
10:23
